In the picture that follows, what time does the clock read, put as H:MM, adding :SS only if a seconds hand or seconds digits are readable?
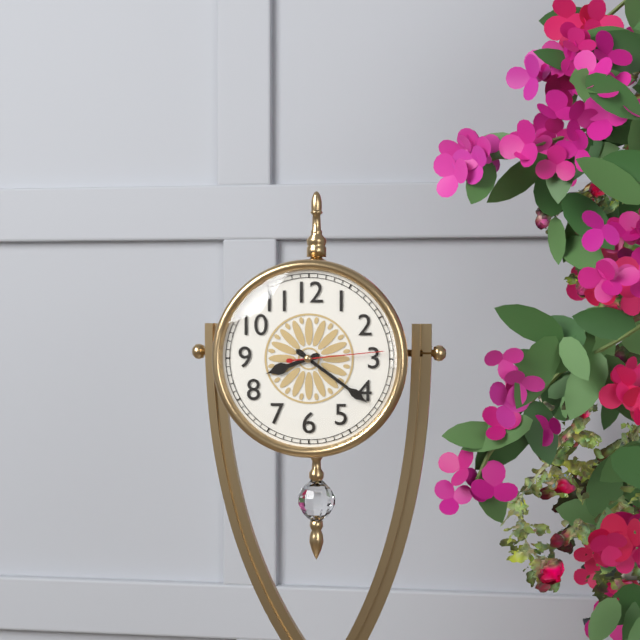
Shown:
8:21:14
